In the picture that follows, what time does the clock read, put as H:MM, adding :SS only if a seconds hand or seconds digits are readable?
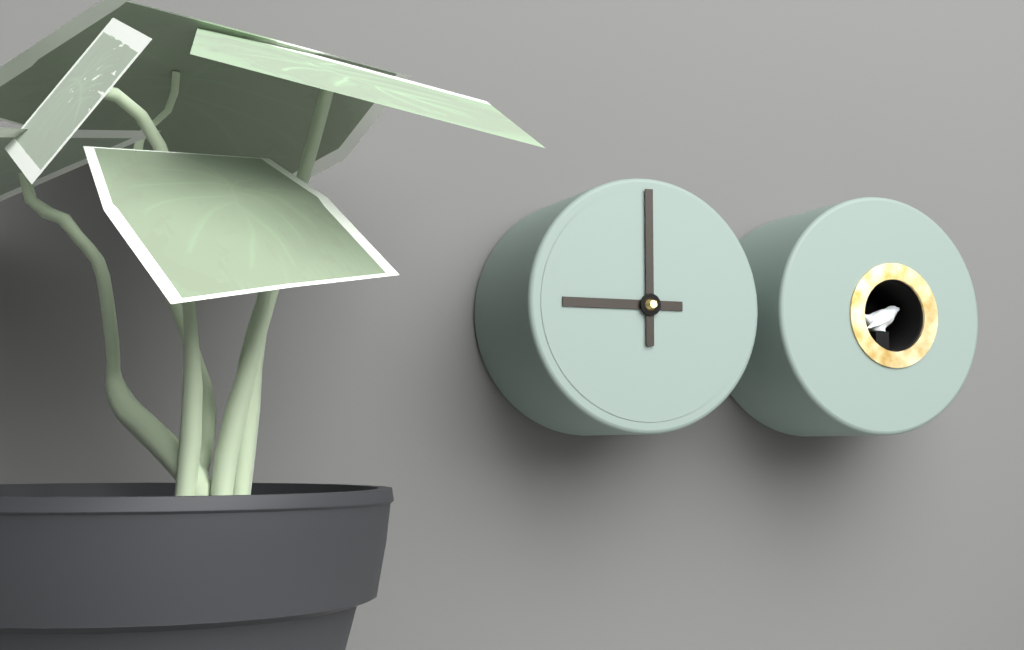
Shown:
9:00
